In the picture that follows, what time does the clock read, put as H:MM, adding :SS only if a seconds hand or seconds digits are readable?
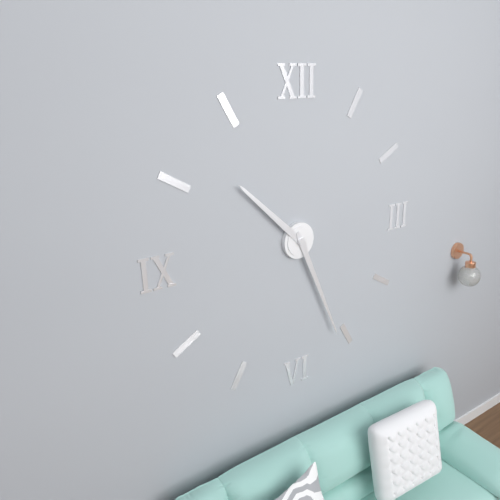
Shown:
10:26
